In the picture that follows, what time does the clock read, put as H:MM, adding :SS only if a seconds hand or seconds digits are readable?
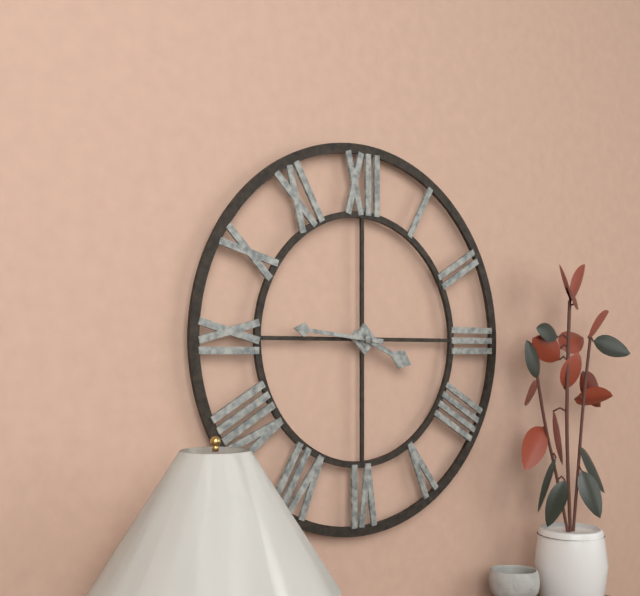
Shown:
3:46
